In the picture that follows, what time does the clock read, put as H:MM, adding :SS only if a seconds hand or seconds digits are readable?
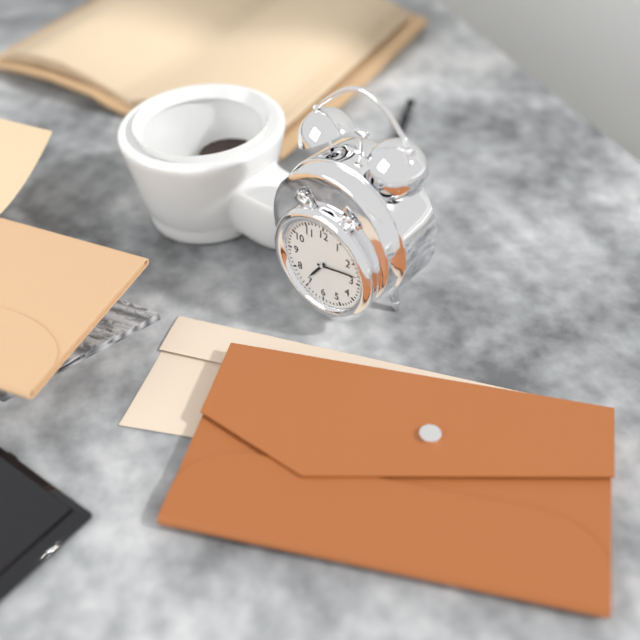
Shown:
7:13
